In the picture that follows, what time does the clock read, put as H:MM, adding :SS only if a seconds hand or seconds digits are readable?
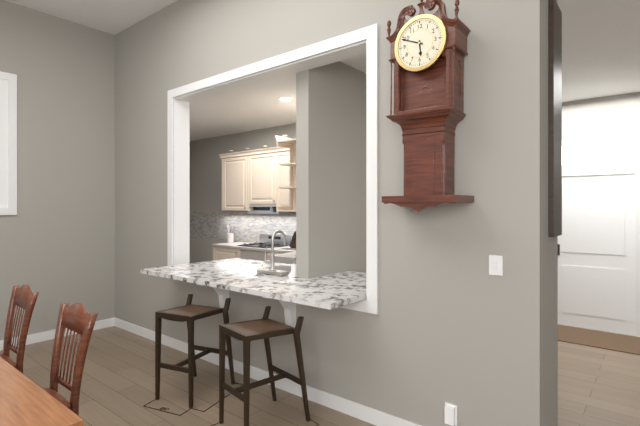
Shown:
5:49
